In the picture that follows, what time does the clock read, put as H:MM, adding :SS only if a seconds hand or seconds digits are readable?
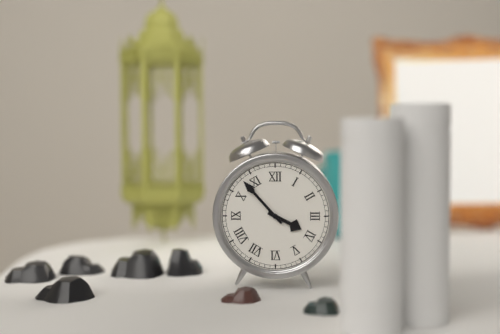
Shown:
3:53
